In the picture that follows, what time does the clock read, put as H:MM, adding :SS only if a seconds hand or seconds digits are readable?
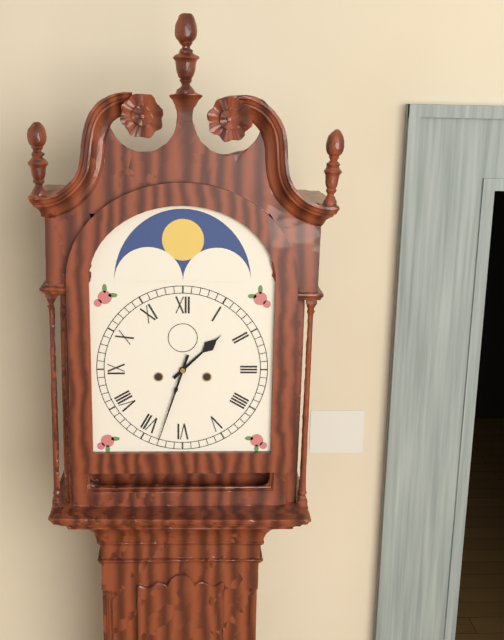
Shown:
1:33
